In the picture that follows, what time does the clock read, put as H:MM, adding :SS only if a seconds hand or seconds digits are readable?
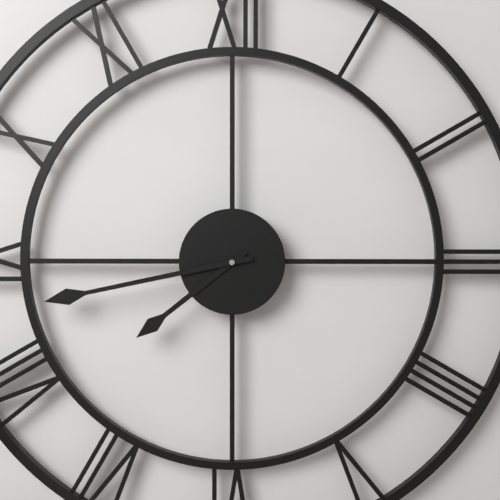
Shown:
7:43
